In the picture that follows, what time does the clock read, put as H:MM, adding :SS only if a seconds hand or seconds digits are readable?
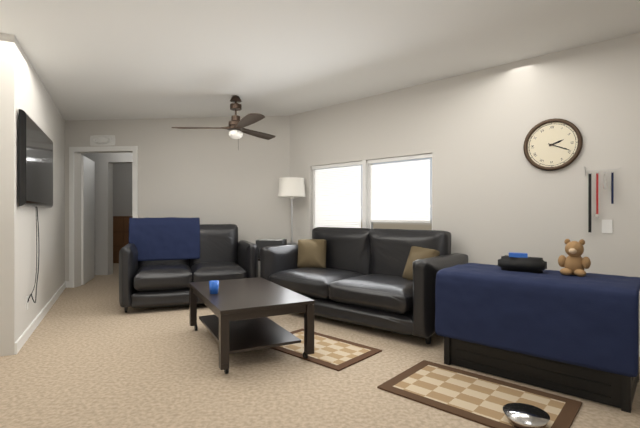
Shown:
2:19
